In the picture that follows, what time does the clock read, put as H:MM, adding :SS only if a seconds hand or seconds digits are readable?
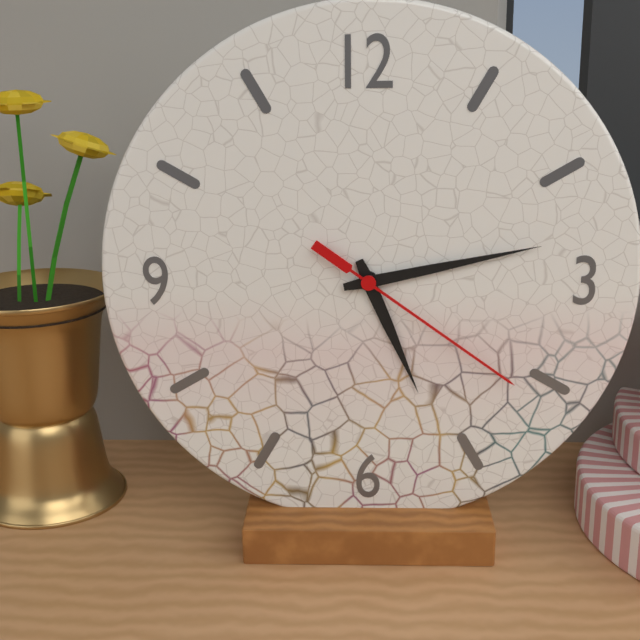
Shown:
5:13:21
